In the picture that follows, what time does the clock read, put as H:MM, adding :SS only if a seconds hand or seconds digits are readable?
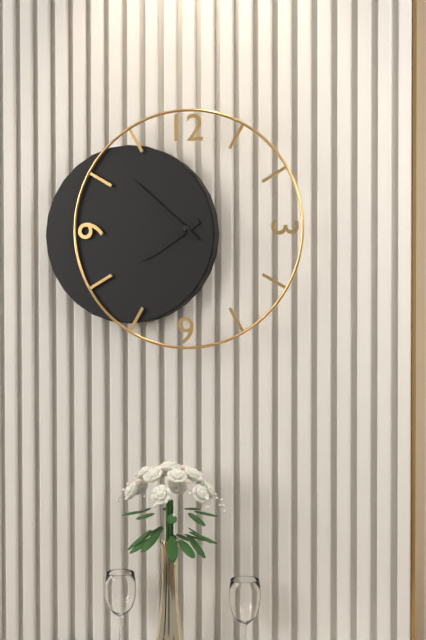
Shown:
7:52
